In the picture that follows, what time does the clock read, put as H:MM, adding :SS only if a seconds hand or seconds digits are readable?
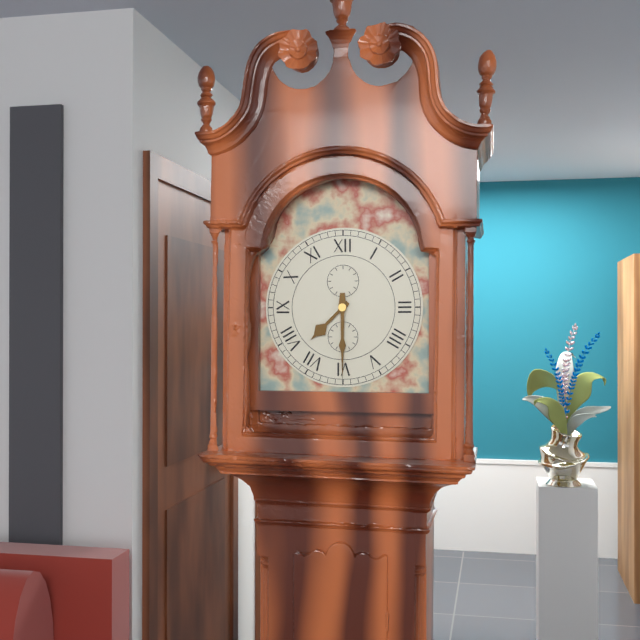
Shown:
7:30
